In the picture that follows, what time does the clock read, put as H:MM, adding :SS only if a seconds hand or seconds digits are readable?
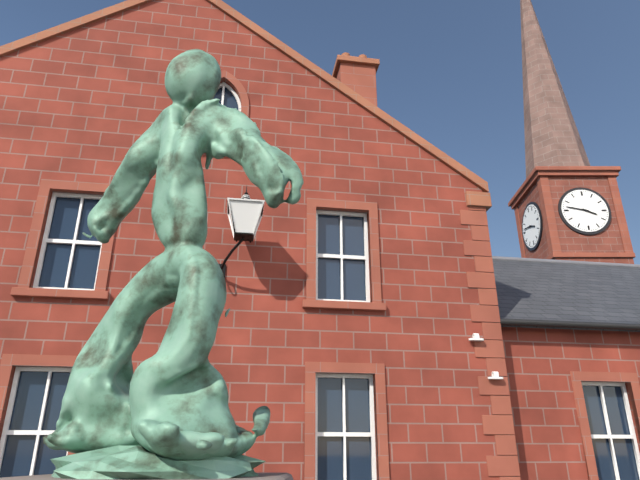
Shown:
3:47
